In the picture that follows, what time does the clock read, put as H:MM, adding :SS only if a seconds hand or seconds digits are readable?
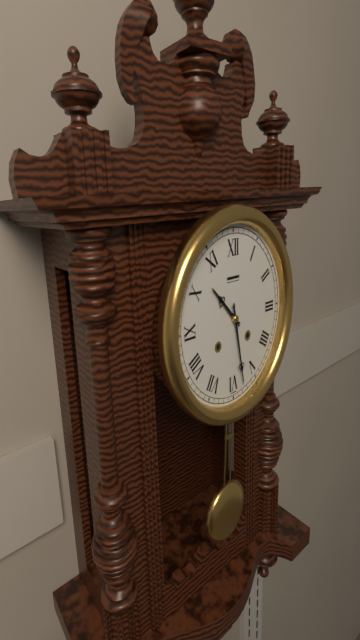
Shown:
10:28
